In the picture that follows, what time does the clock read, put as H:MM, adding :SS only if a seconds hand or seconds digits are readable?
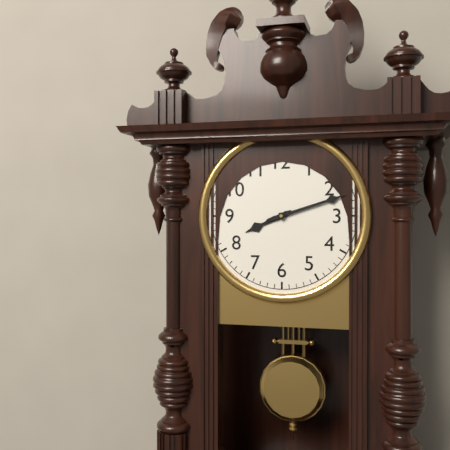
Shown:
8:12
